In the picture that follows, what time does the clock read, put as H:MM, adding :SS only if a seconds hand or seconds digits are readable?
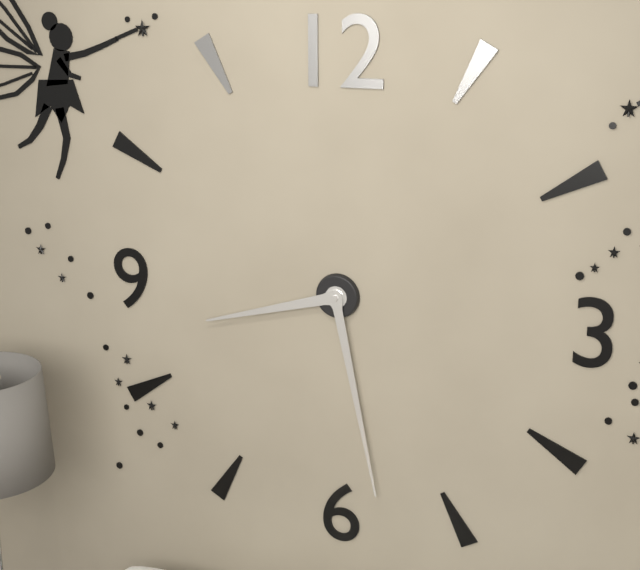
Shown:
8:28
